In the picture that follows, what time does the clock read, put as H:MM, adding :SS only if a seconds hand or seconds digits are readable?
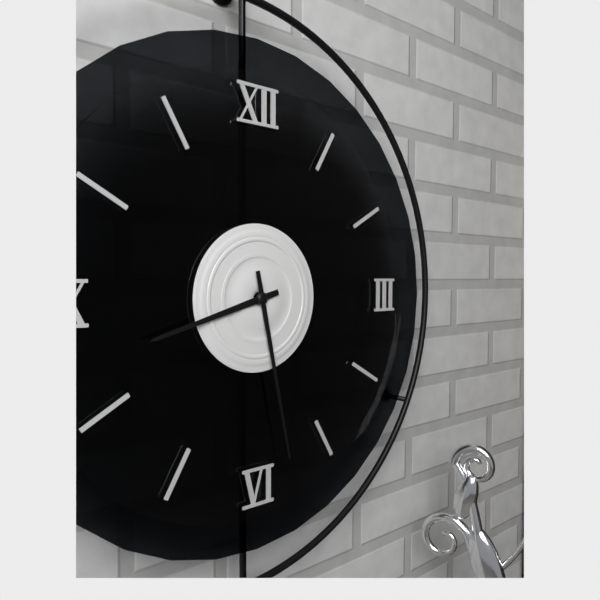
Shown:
8:28
